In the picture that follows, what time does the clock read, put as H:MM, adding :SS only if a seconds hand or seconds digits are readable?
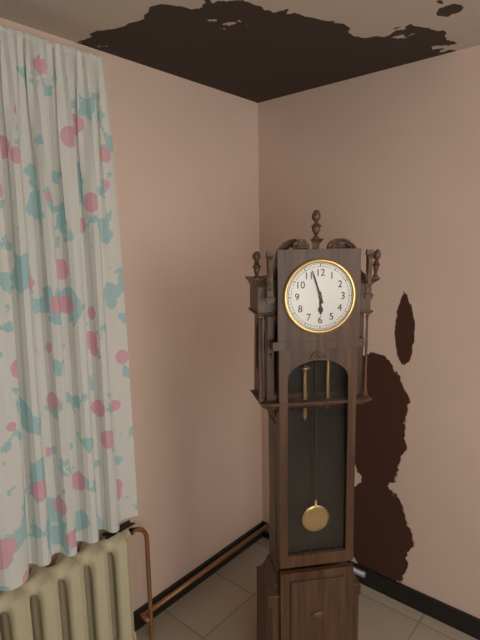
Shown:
5:57
